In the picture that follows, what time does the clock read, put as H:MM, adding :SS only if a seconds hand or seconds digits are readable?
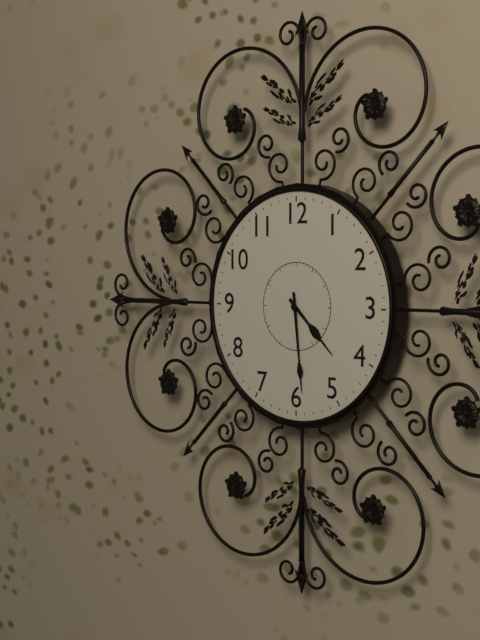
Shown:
4:29
